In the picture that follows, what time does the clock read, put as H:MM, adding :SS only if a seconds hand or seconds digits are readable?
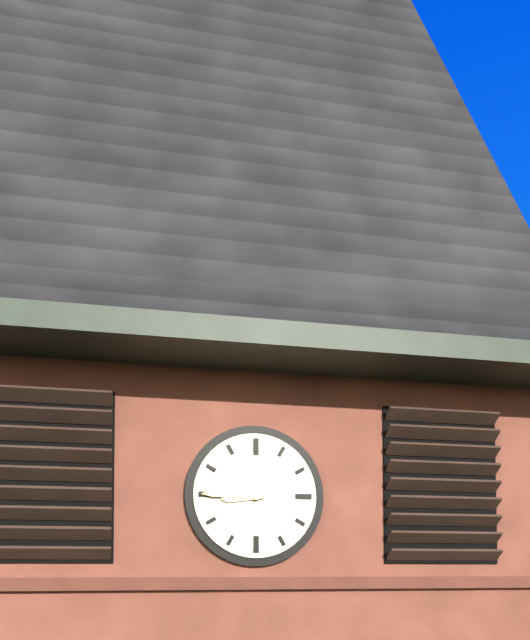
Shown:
8:45
